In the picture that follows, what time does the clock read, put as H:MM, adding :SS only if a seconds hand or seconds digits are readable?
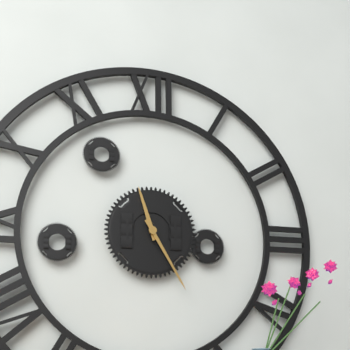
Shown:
11:25
